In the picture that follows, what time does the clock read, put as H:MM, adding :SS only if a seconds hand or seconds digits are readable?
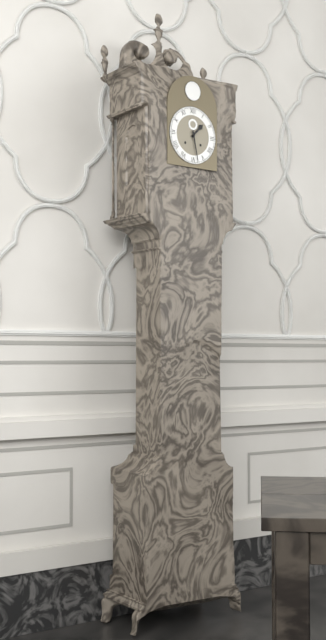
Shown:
1:28
